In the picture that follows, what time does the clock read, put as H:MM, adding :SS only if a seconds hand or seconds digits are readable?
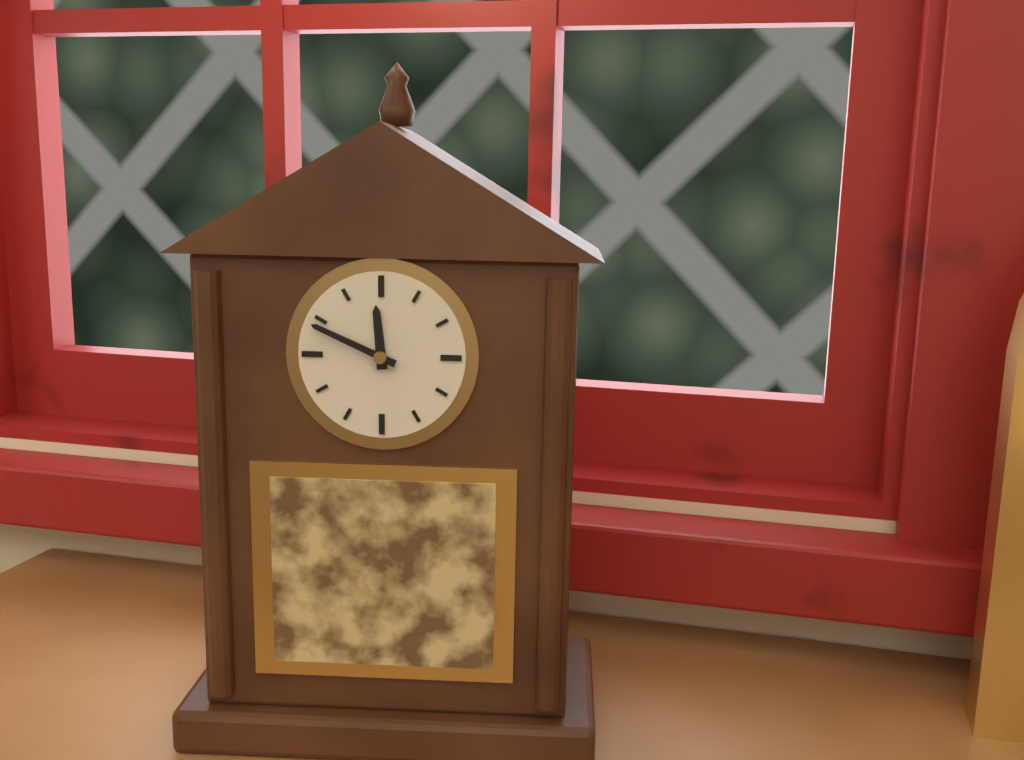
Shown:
11:49
